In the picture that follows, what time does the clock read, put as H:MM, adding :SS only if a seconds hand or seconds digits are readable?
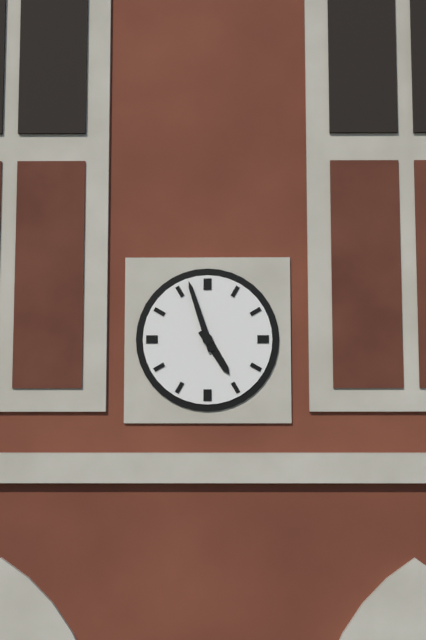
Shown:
4:57
